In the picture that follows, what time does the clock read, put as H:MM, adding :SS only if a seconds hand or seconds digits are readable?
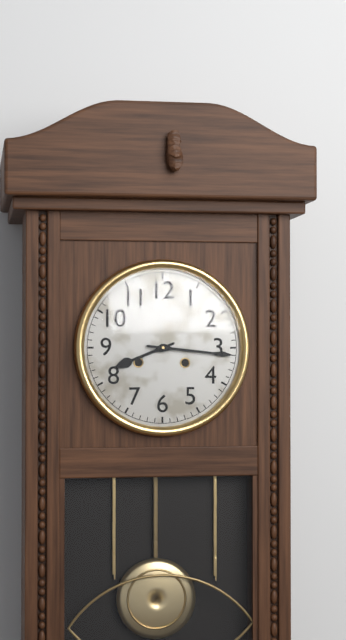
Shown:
8:16
